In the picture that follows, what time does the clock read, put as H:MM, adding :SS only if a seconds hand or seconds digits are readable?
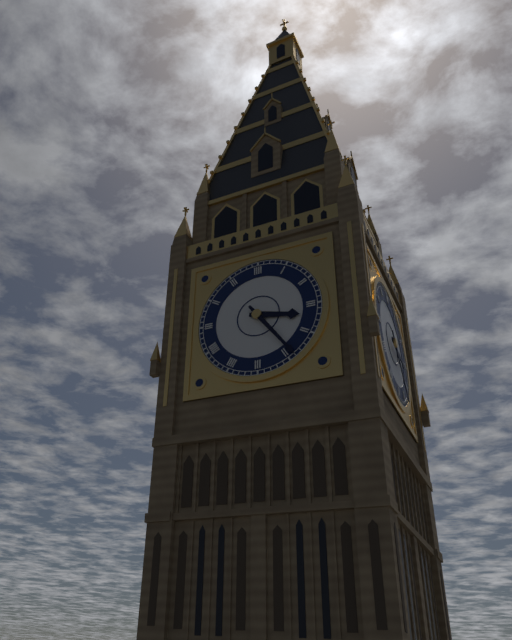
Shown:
3:24
